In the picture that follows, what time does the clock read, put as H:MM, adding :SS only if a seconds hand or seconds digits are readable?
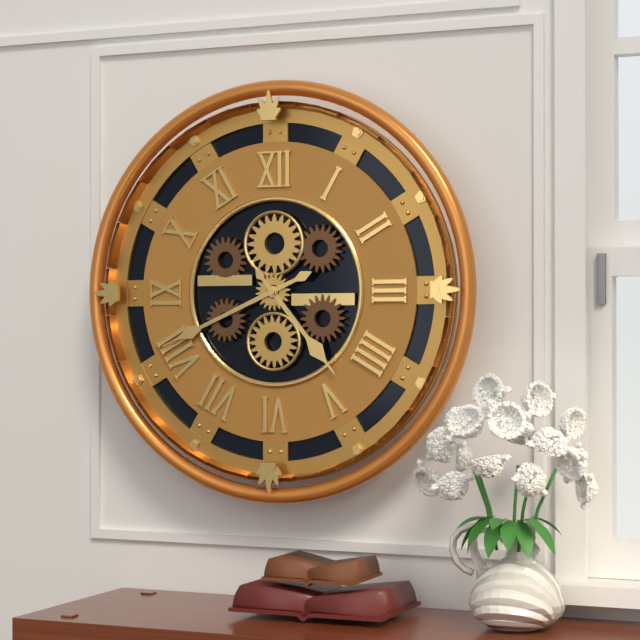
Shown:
4:41
